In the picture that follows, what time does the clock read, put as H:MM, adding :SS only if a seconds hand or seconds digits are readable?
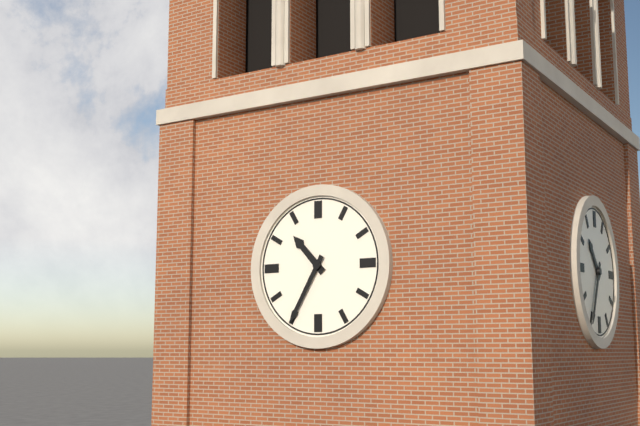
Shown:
10:35
